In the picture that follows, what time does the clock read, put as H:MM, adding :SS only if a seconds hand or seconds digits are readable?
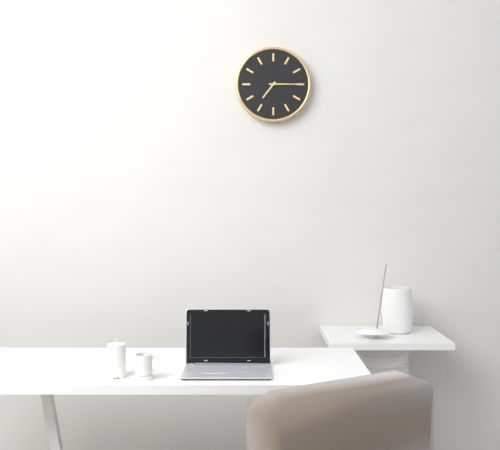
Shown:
7:15
